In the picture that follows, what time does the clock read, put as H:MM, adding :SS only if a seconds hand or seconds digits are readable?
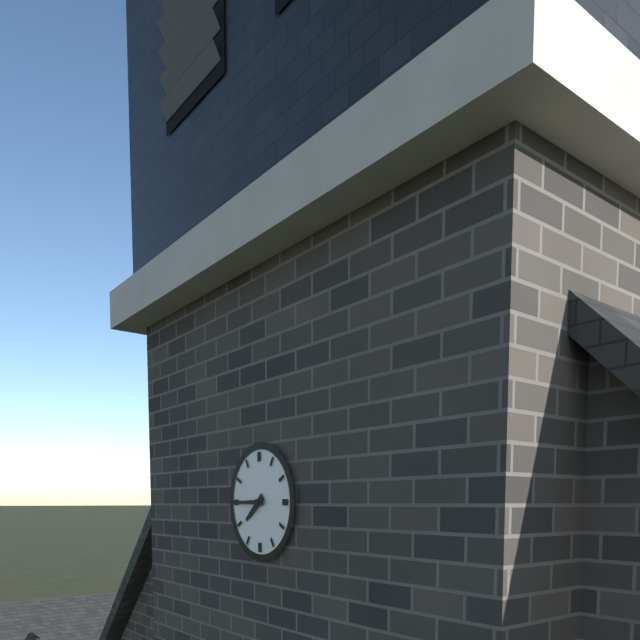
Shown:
7:45
